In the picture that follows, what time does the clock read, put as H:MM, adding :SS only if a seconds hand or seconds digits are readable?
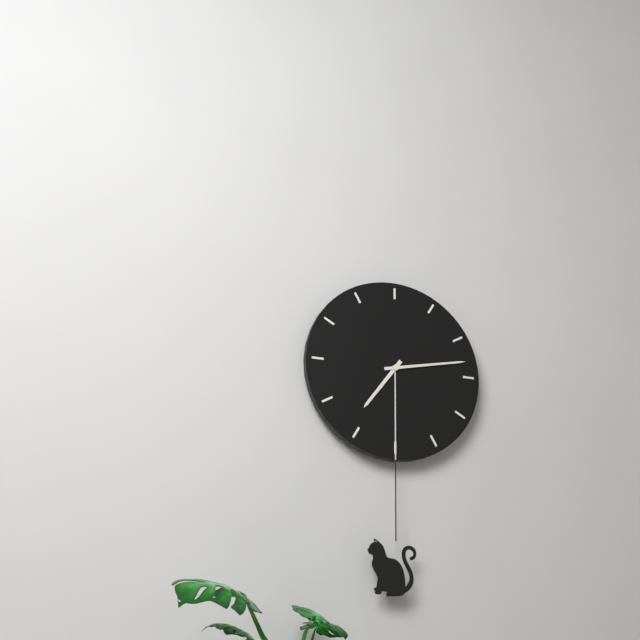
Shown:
7:13
